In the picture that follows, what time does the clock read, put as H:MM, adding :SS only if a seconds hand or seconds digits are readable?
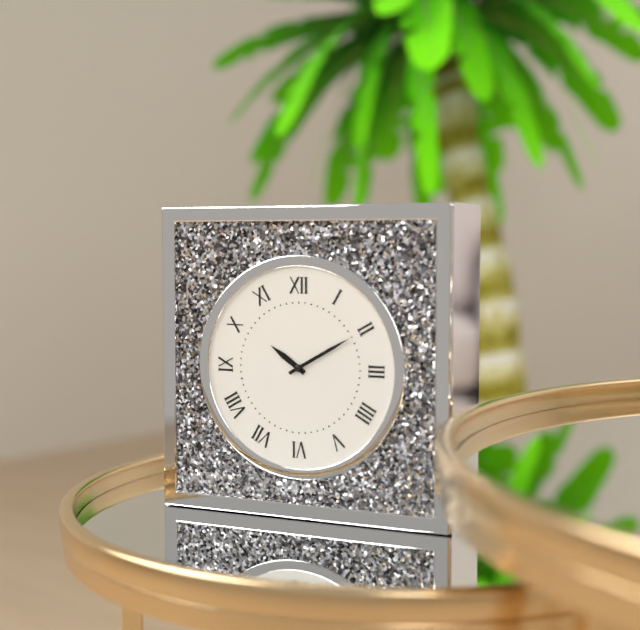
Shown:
10:10
